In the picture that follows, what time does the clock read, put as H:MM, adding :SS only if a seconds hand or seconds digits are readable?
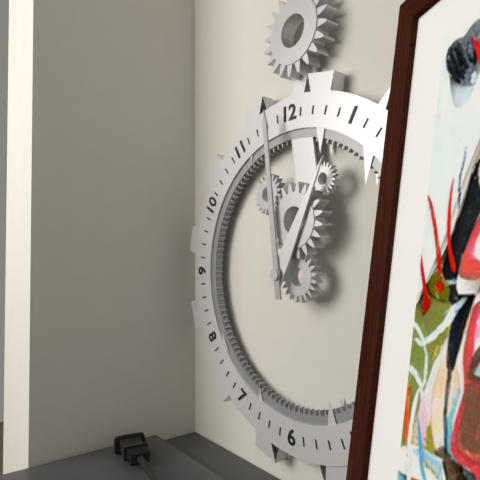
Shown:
12:59
